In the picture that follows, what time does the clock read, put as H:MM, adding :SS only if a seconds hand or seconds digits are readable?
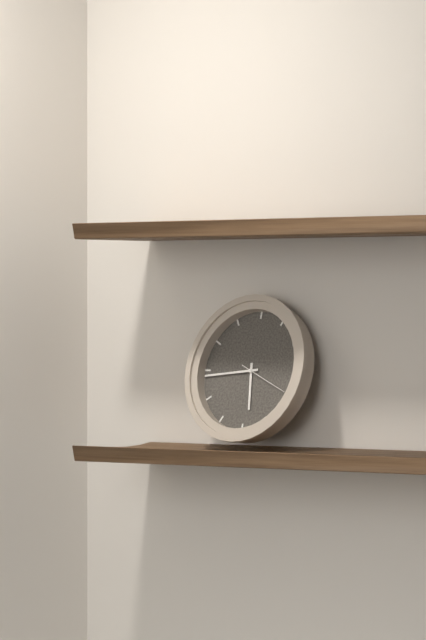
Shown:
5:44
